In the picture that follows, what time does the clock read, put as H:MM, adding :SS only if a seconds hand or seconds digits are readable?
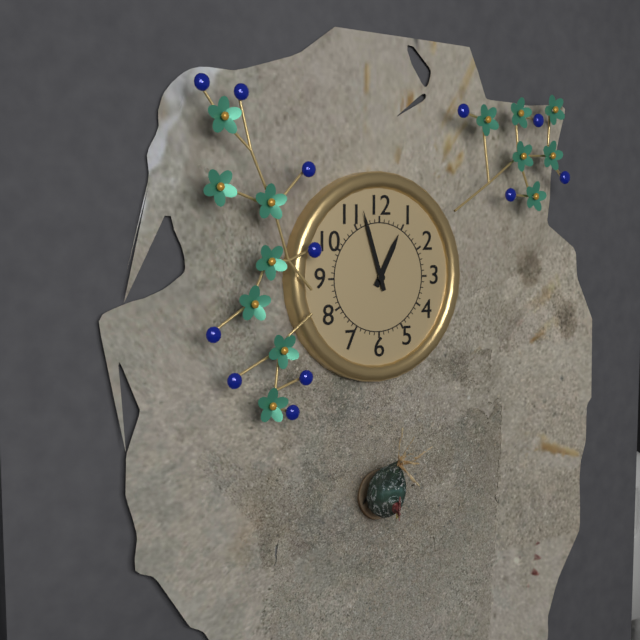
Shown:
12:57
